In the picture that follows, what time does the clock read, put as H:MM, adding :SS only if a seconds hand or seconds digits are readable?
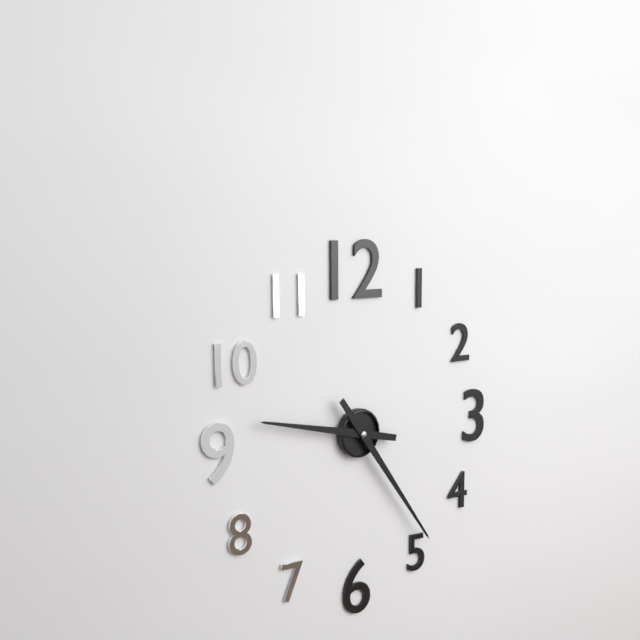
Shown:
9:24
